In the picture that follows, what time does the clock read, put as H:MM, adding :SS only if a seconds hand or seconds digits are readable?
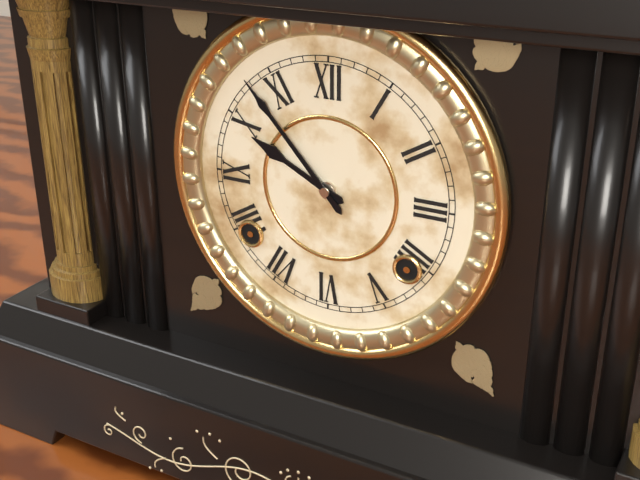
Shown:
9:53
